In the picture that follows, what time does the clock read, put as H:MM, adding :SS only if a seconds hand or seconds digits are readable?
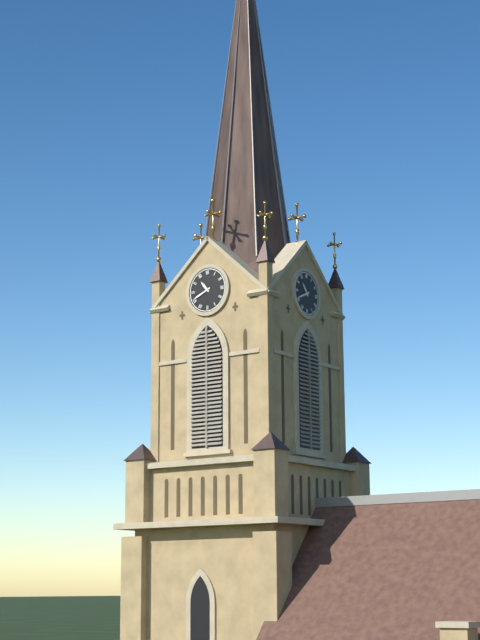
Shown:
10:41
